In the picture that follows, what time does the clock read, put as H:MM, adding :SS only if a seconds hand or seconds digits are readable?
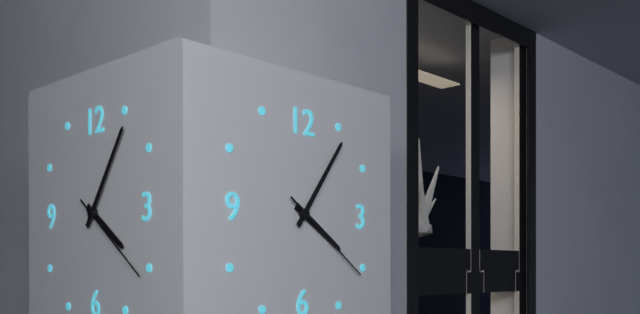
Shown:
4:06:21
